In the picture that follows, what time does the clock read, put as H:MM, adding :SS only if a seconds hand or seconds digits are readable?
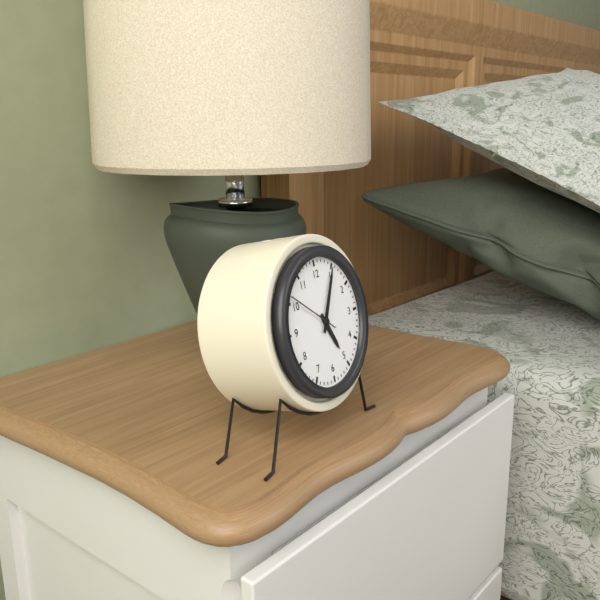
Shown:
5:05:51
